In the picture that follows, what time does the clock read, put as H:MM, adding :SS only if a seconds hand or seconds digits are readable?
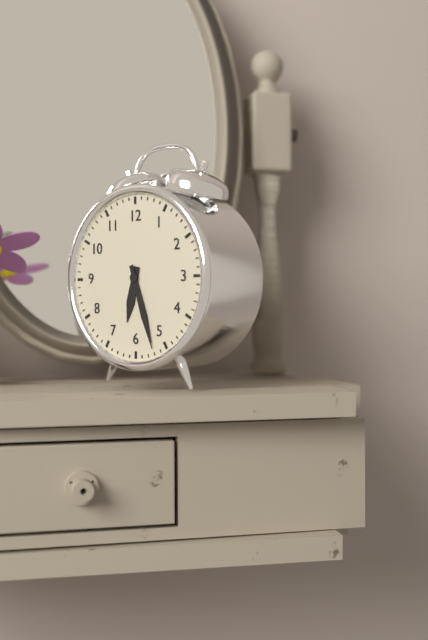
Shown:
6:27
